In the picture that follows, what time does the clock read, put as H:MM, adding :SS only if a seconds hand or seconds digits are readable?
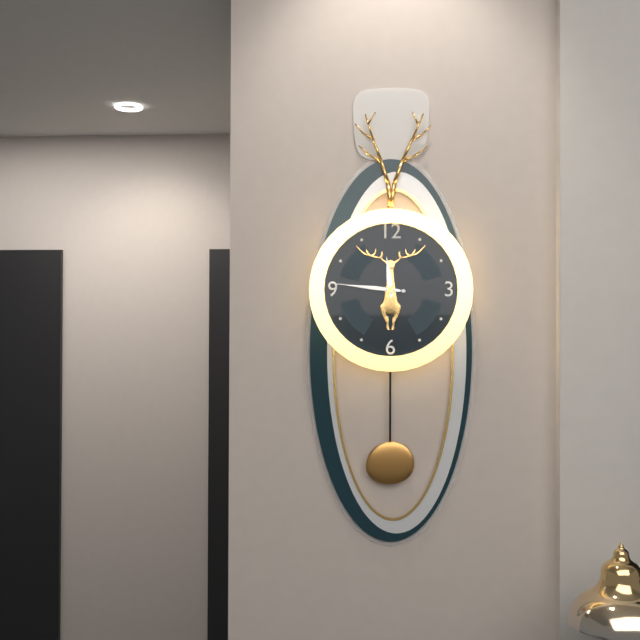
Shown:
11:46:46
